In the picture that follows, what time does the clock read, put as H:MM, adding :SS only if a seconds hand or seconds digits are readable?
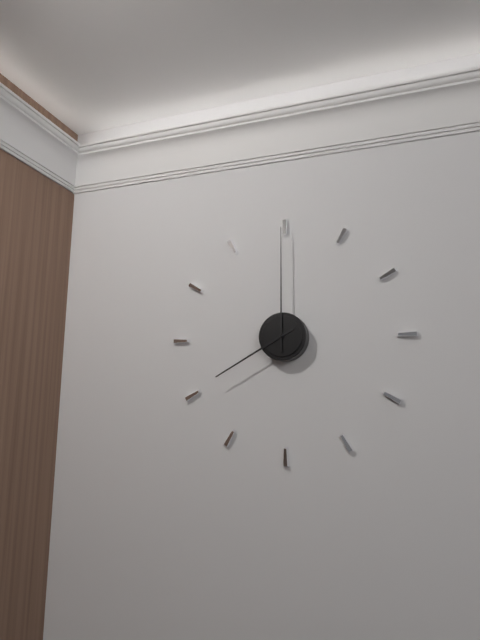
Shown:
8:00
